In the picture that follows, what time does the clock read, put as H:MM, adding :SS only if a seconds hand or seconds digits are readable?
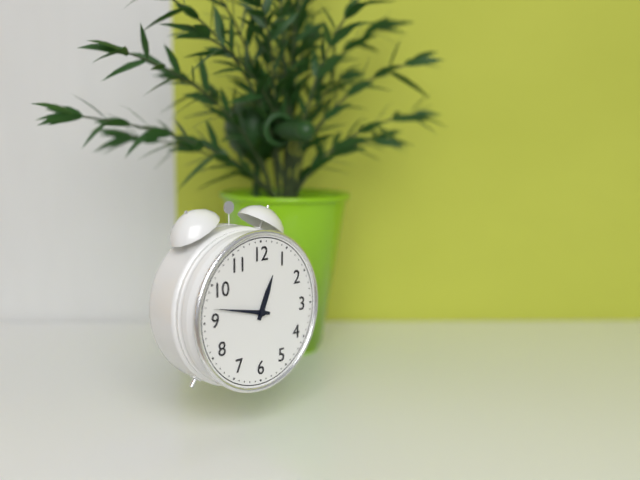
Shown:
12:47
